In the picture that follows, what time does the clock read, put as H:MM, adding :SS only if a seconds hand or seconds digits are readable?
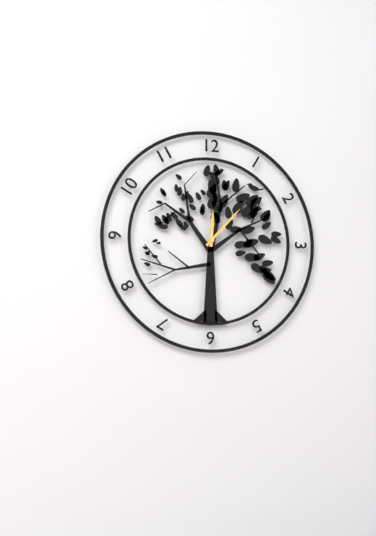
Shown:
12:07
